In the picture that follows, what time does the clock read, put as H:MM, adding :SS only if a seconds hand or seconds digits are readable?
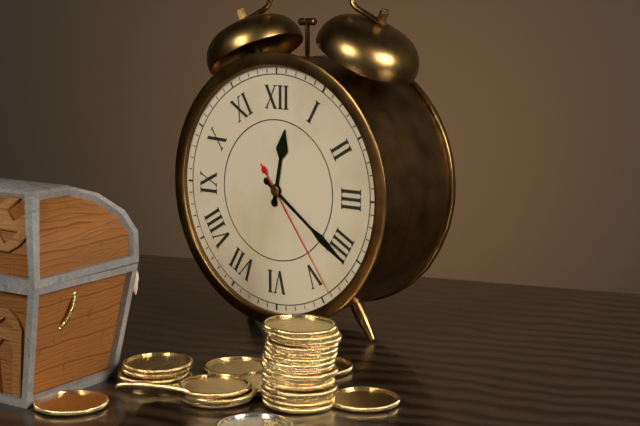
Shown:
12:21:24
